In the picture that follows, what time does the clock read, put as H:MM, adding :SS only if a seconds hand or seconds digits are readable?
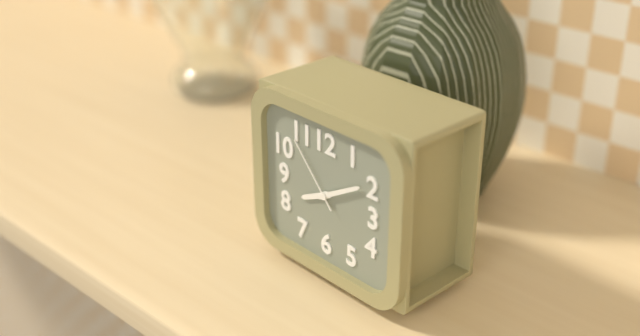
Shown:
8:10:53
